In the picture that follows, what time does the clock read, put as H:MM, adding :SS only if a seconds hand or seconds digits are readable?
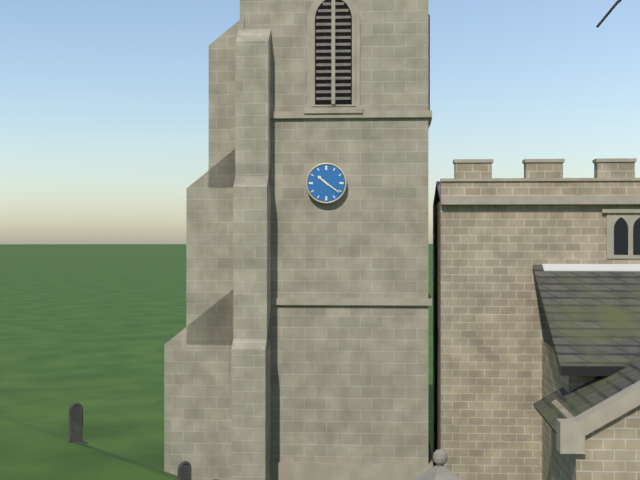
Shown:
10:21
